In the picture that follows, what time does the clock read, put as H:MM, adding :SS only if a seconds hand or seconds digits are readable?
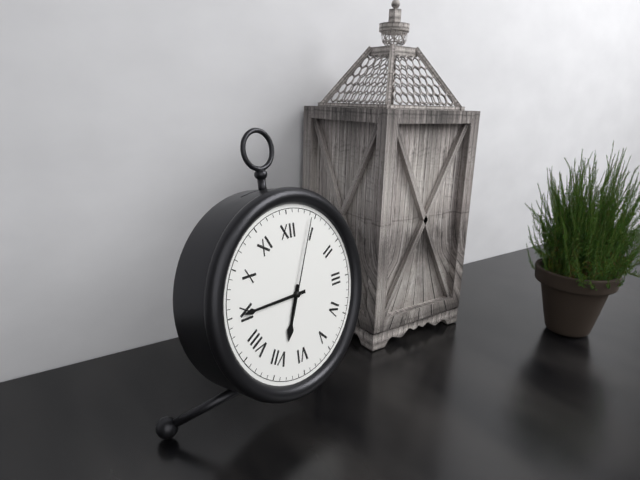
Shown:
6:45:04
